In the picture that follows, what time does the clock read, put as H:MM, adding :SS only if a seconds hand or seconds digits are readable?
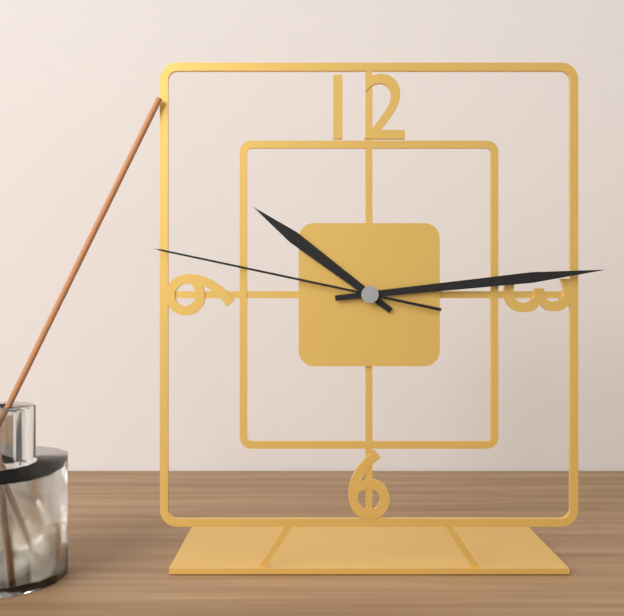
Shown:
10:14:47
